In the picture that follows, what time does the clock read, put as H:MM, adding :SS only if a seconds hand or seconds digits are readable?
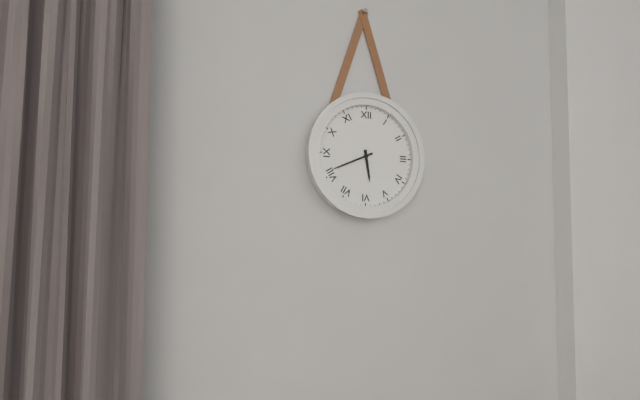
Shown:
5:41
